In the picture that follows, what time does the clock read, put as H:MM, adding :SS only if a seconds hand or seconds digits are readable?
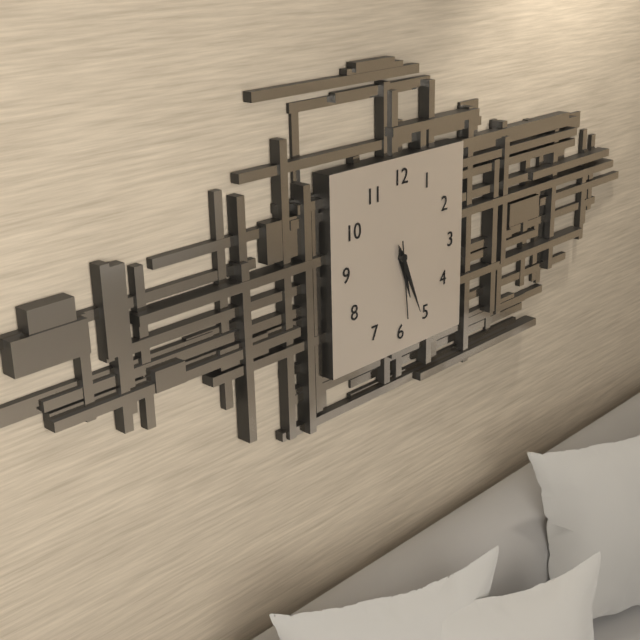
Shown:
5:26:29
